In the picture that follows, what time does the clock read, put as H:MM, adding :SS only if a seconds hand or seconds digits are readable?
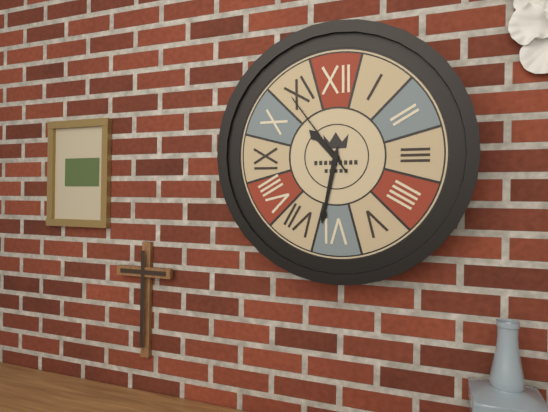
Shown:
10:32:54
